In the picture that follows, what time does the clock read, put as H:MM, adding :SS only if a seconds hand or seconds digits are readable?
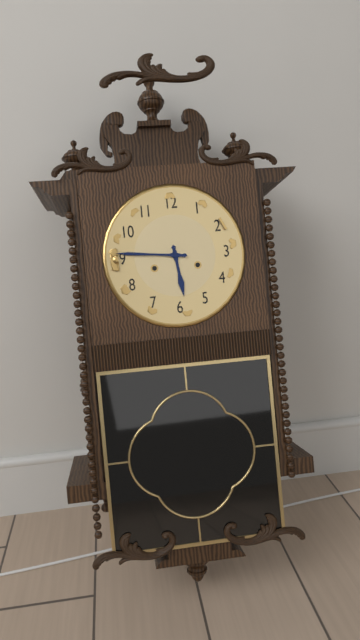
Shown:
5:46
